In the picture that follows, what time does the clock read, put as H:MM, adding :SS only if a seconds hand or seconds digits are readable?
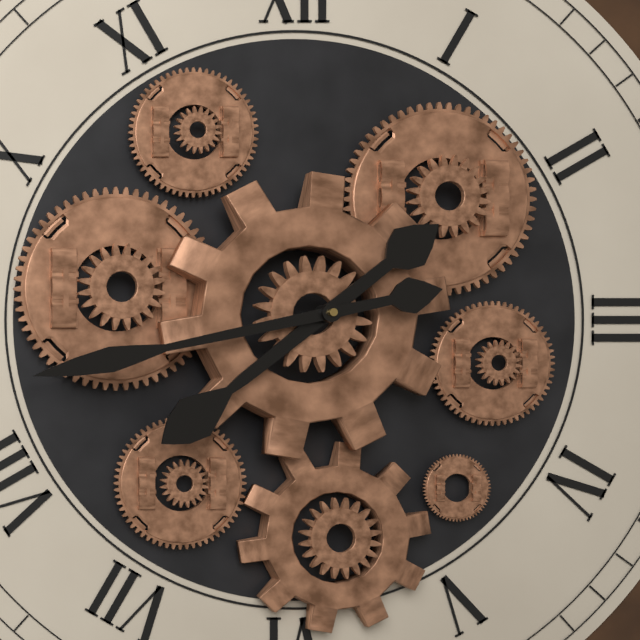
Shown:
7:43
